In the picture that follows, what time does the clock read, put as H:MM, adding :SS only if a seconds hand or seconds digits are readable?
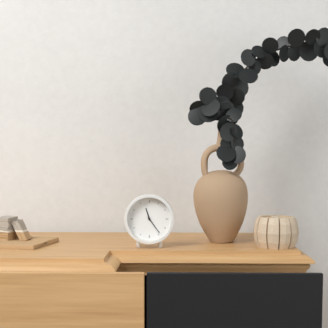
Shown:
11:24
